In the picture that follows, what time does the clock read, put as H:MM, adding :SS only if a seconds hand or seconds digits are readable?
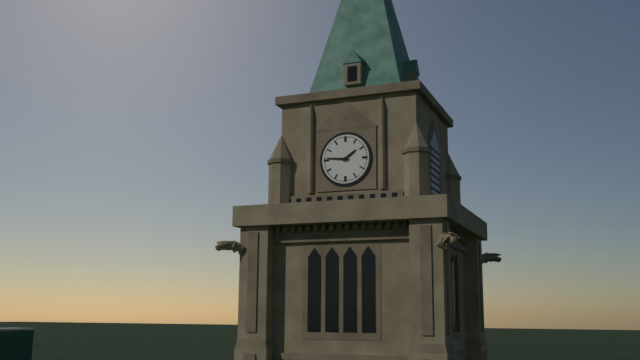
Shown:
1:46
